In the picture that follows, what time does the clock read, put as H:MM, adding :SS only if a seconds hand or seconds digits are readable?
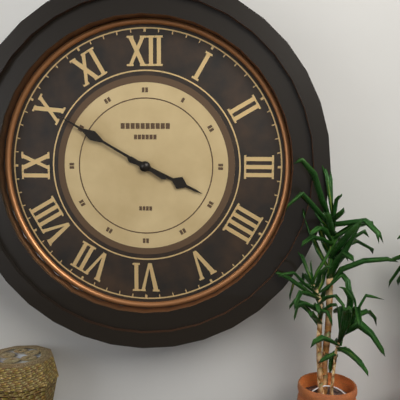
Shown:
3:50
